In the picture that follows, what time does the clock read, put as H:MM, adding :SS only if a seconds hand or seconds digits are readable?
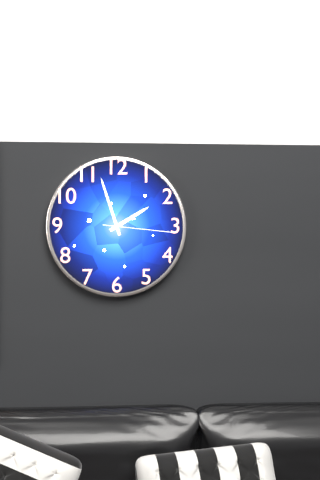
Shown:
1:57:16
